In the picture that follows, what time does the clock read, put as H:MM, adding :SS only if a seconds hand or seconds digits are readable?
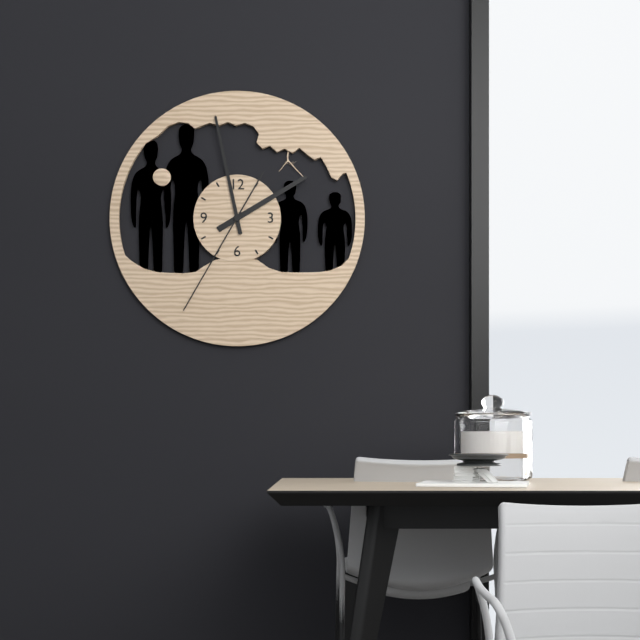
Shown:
1:58:35
